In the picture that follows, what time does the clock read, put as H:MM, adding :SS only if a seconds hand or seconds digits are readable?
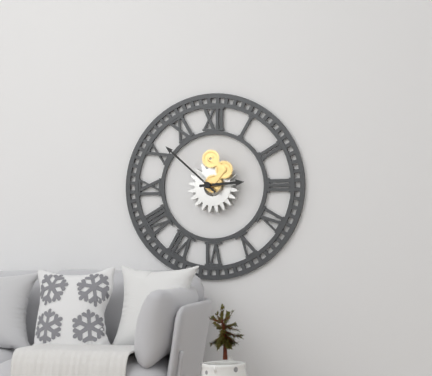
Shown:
2:52
